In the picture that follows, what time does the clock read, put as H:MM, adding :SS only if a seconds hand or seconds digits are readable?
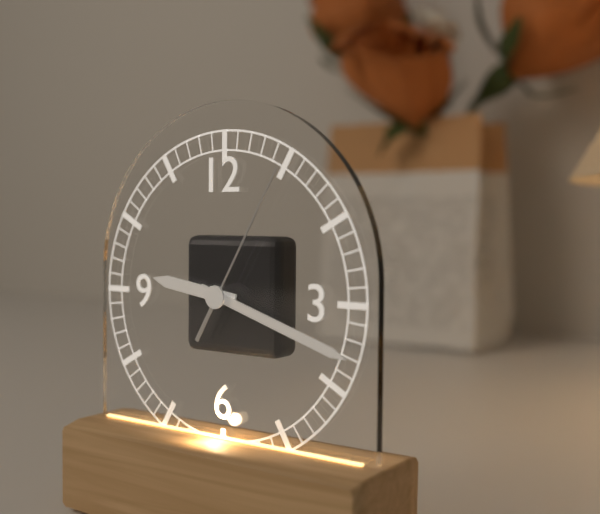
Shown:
9:18:05
